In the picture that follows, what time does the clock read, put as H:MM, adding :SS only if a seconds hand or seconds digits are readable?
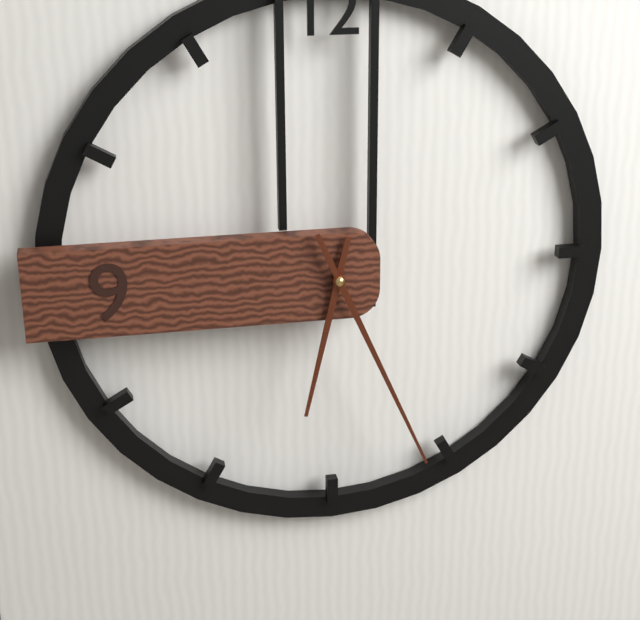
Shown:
6:26
